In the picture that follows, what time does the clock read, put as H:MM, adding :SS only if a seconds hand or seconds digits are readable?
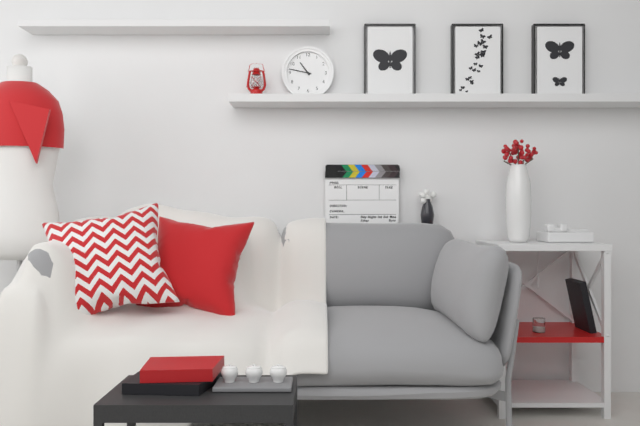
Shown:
10:47
